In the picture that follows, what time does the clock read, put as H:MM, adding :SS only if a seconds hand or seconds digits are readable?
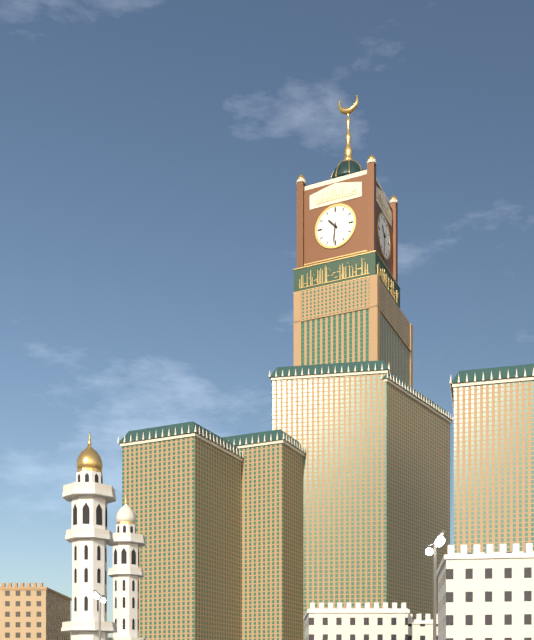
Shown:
10:31
